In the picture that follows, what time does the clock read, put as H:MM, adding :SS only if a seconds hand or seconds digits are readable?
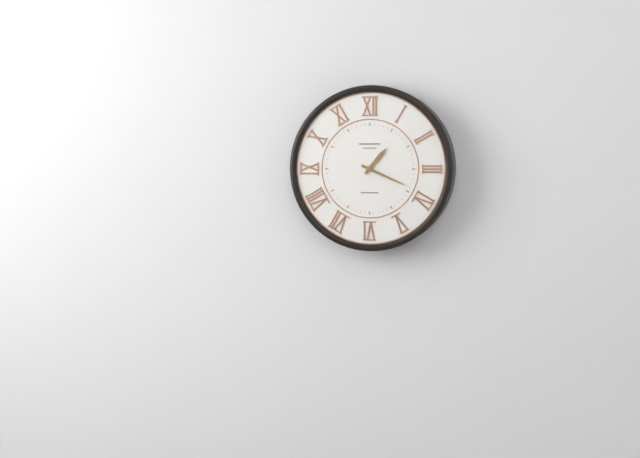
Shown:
1:19
